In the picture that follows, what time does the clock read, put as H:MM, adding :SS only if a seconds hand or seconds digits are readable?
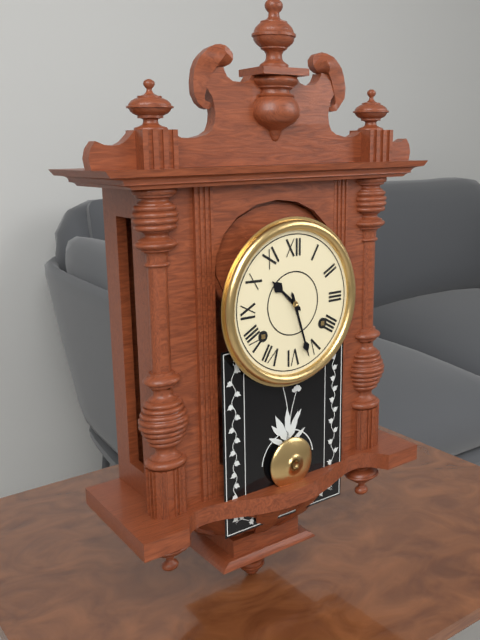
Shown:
10:27
